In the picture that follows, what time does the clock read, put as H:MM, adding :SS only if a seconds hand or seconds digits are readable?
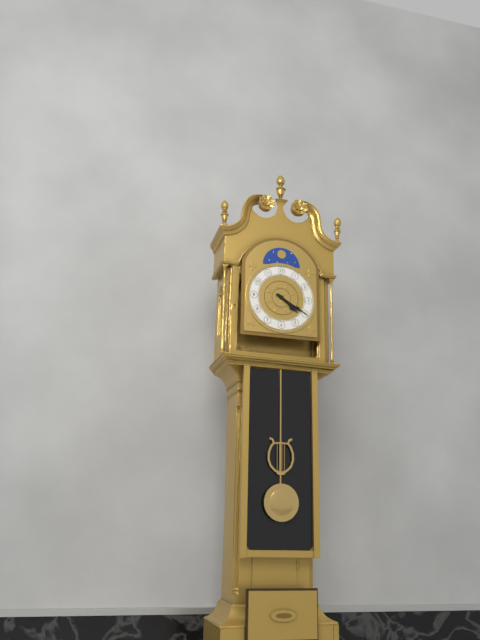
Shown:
4:20
